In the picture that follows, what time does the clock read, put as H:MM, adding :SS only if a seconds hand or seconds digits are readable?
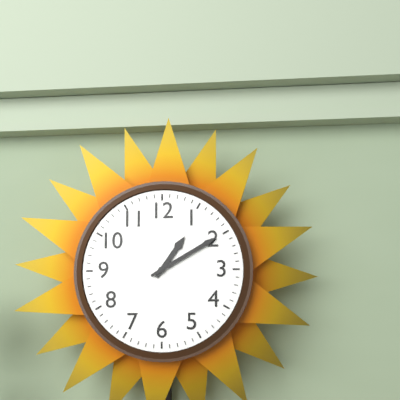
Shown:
1:10
